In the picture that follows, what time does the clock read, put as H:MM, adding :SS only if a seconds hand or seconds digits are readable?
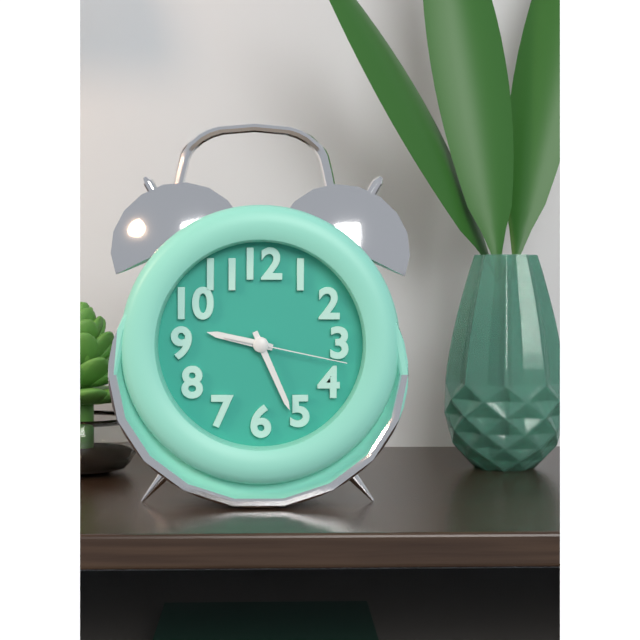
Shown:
9:26:17
